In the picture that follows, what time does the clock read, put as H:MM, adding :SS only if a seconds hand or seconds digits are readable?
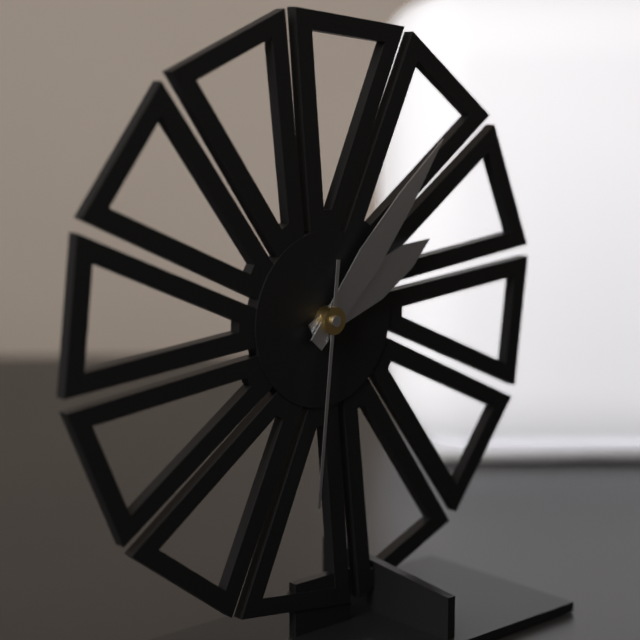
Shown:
2:07:31
